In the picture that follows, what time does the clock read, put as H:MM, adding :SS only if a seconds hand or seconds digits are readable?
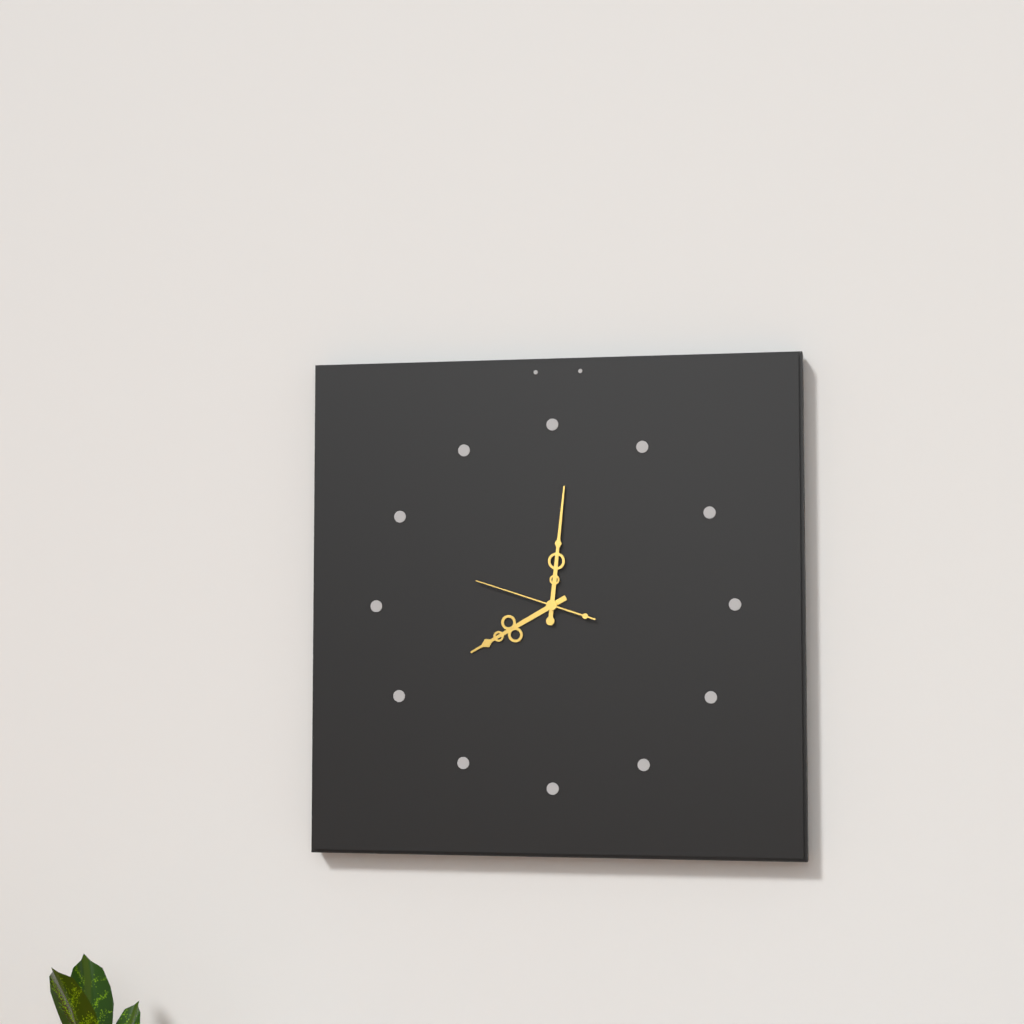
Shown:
8:01:48
